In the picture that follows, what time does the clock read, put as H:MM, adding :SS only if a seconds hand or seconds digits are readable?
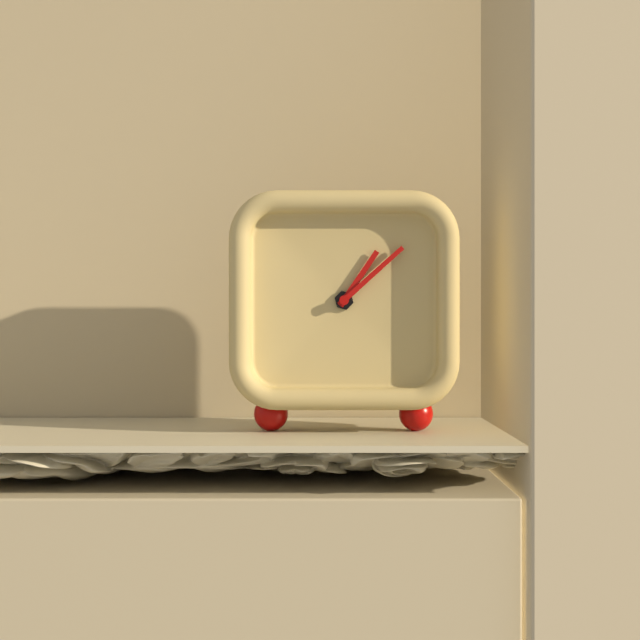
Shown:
1:08
